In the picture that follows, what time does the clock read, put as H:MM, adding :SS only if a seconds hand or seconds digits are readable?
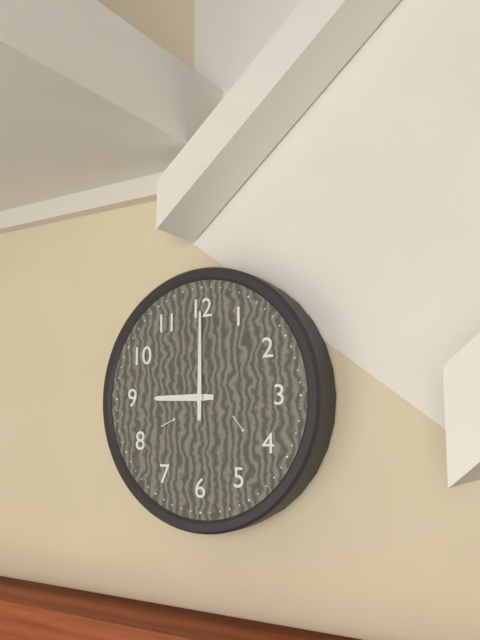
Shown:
9:00
